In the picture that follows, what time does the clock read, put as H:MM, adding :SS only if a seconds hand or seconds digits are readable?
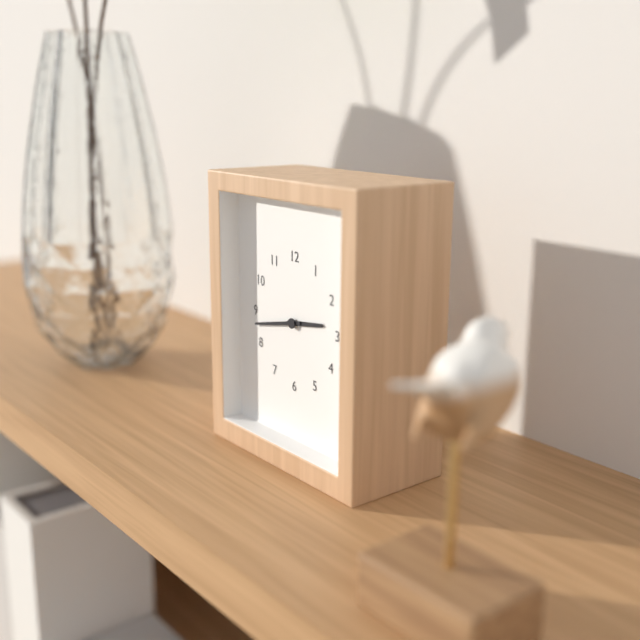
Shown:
2:43
